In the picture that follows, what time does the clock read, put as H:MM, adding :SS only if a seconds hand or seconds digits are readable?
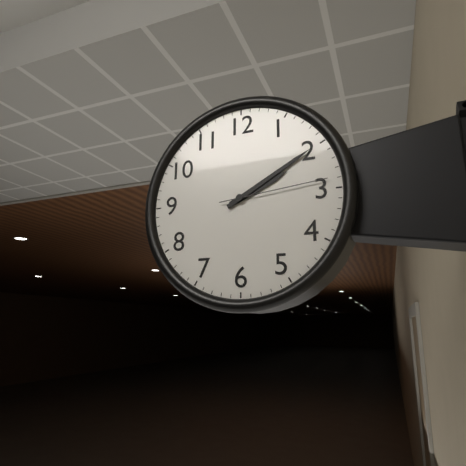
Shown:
2:10:14
